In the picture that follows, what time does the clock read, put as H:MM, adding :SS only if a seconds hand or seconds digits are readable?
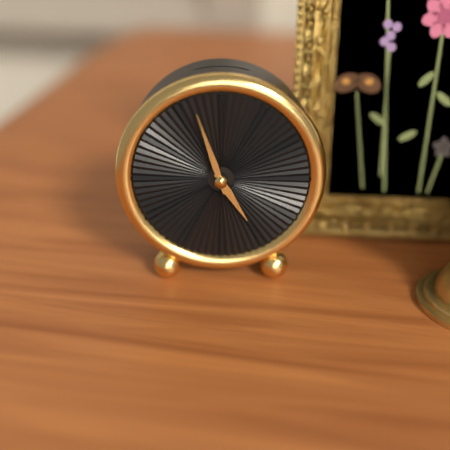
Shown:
4:57
